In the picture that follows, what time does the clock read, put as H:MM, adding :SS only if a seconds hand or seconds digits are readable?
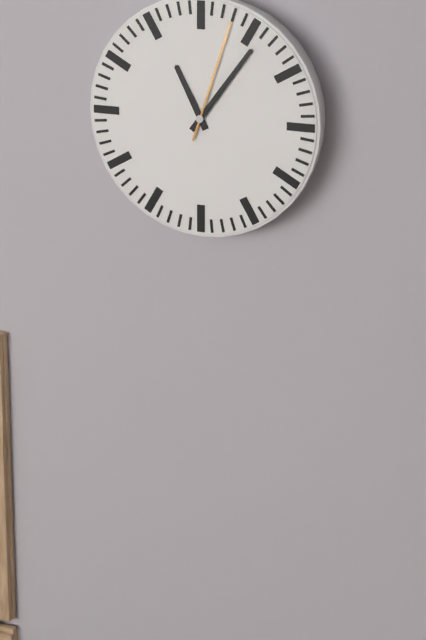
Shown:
11:06:03
